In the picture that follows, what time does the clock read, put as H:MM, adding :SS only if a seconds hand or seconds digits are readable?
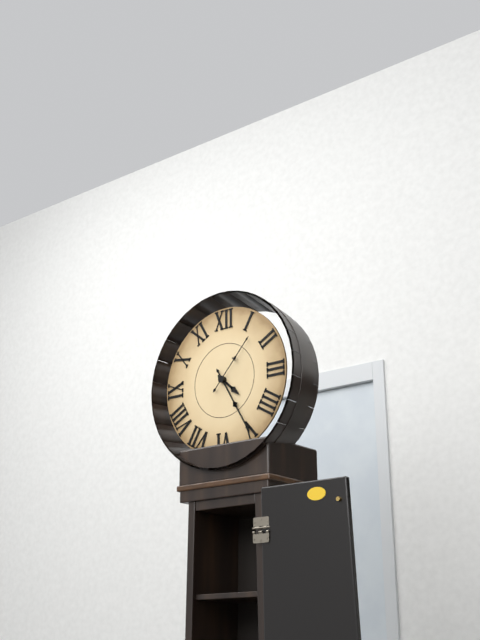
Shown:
4:25:07
